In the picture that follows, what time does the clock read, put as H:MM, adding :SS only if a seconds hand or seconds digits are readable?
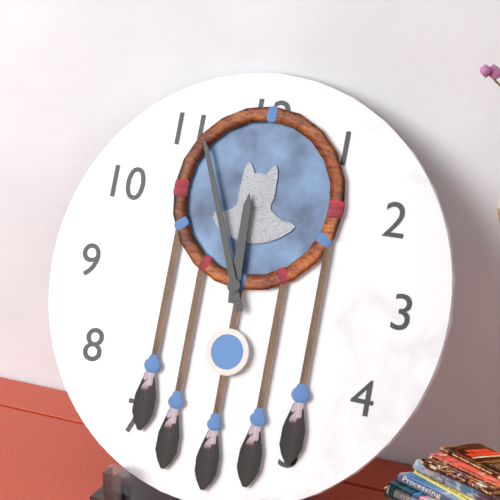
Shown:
11:56
